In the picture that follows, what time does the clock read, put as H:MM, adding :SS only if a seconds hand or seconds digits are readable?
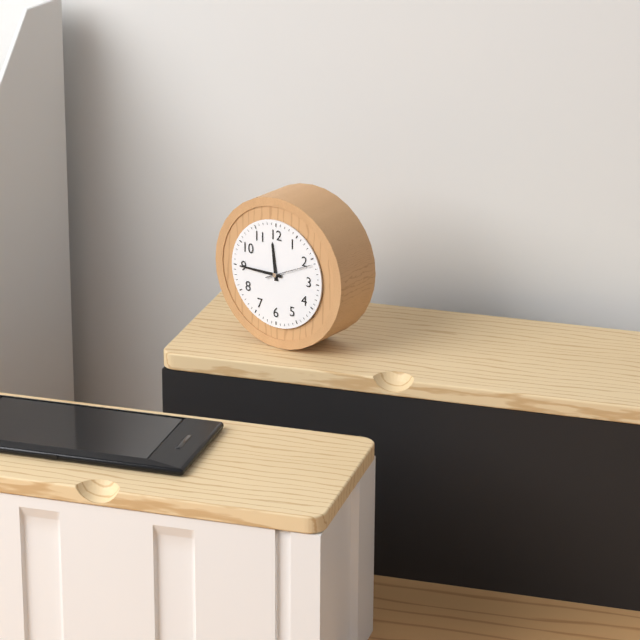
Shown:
11:45
